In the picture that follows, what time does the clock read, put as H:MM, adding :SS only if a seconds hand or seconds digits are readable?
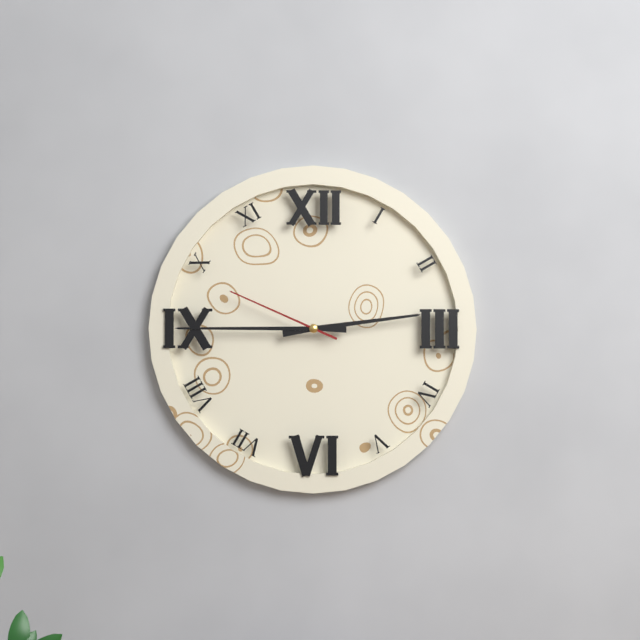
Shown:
2:45:49
